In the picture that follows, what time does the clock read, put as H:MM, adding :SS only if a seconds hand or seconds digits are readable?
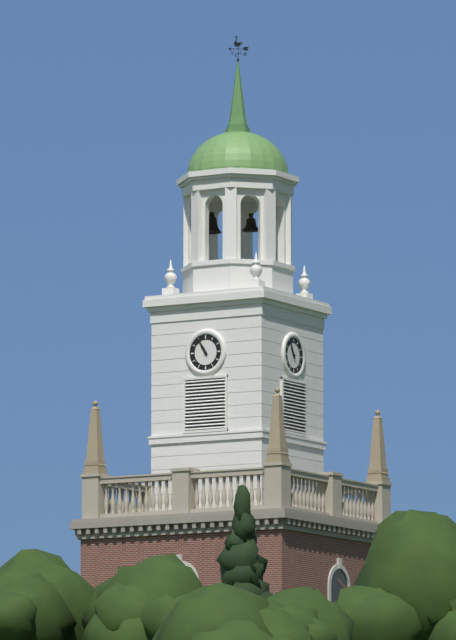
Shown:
10:55
